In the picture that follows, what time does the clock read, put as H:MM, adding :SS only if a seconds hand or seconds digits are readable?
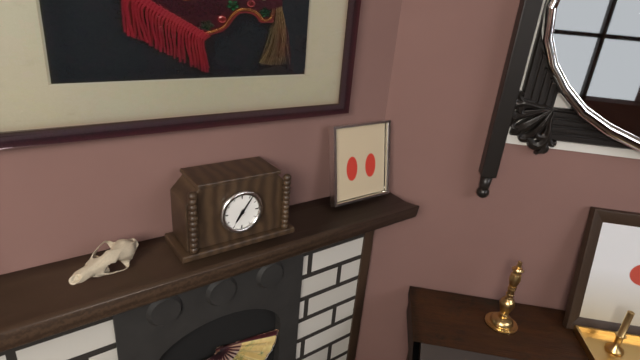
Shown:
7:06
